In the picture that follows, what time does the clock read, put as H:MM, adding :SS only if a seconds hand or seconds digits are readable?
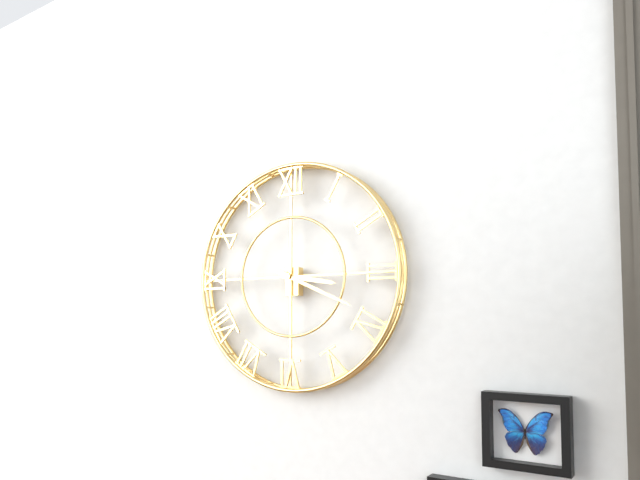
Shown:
3:19
